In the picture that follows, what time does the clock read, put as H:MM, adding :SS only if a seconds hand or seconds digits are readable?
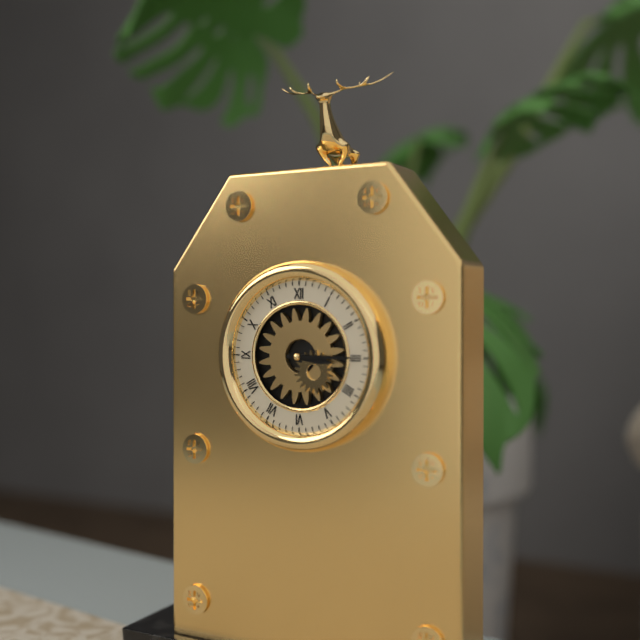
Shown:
3:15
